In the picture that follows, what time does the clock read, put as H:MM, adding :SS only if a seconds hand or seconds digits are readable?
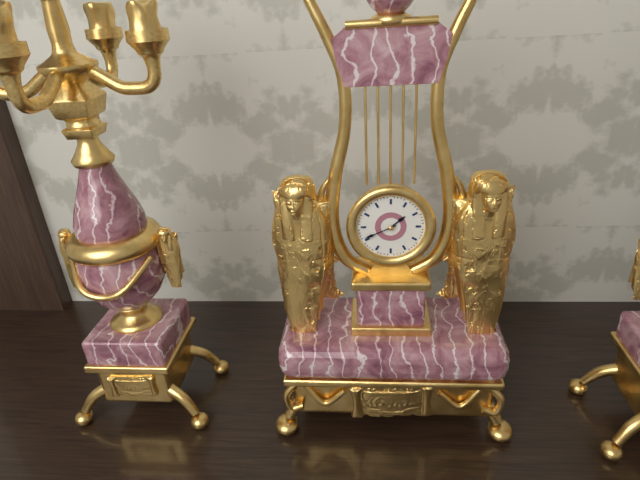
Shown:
1:41
